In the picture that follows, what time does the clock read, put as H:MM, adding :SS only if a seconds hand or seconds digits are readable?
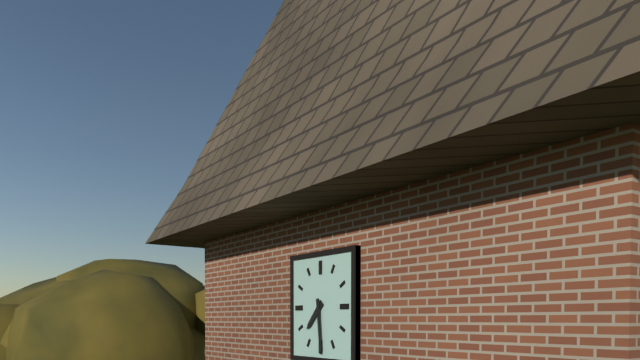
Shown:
7:29
